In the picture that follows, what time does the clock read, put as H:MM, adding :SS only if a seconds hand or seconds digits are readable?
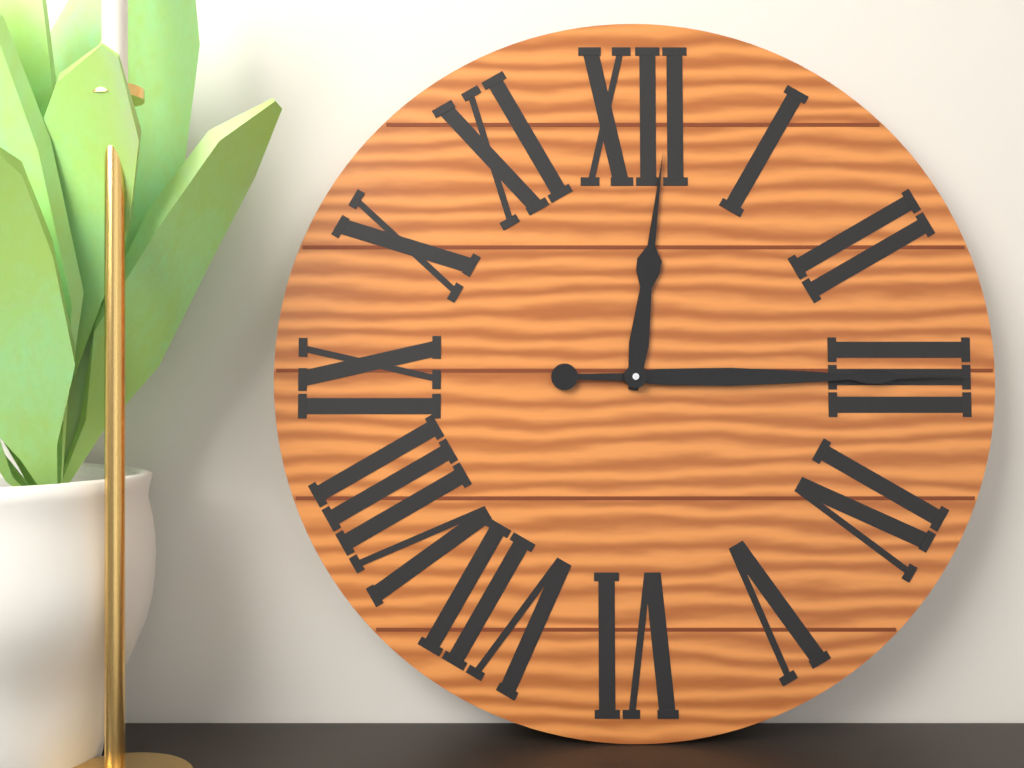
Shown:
12:15
